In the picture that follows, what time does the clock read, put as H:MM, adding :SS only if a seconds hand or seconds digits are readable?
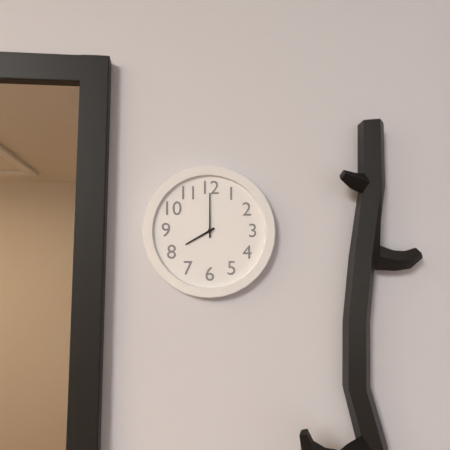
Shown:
8:00
